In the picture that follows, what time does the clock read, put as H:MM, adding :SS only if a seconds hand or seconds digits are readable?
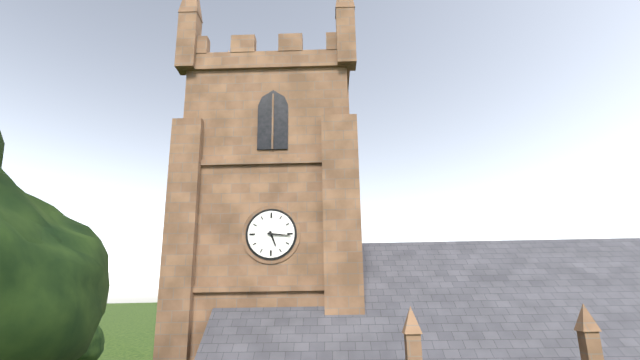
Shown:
5:16
